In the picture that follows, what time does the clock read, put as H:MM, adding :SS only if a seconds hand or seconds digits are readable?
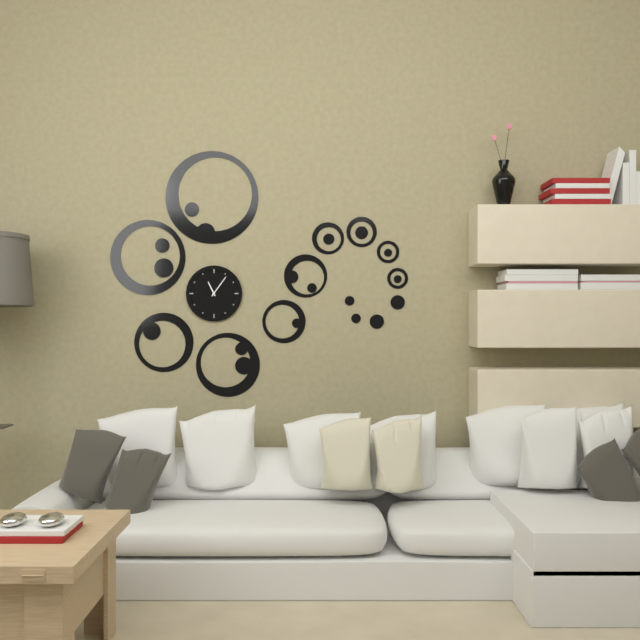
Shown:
11:06
